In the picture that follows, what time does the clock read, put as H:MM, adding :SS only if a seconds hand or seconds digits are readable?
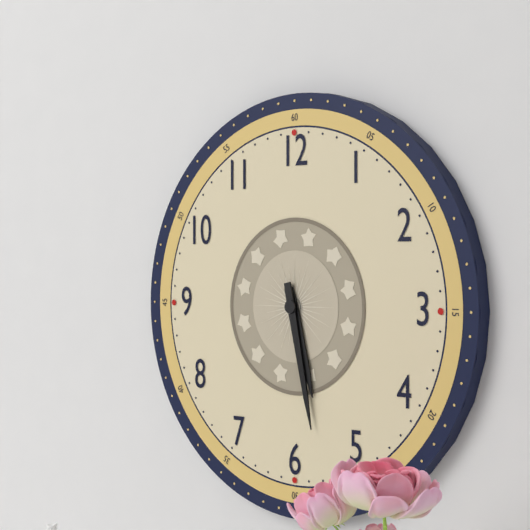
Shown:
5:28
